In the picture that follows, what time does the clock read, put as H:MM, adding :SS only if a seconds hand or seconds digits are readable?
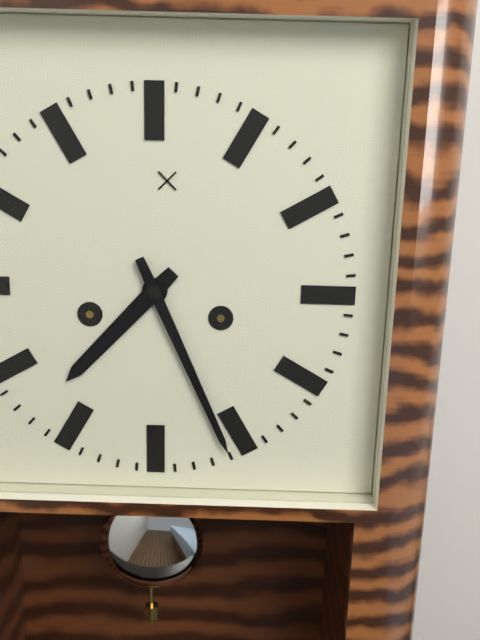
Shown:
7:26
